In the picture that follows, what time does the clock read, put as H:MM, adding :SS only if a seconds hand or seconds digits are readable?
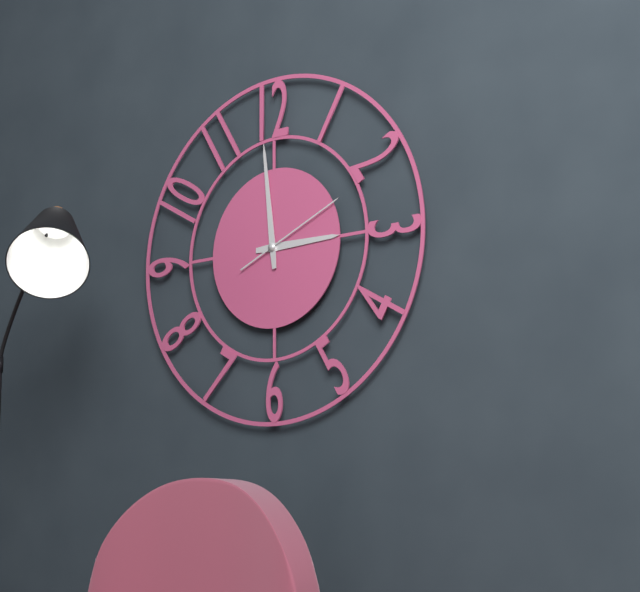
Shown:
2:59:11
